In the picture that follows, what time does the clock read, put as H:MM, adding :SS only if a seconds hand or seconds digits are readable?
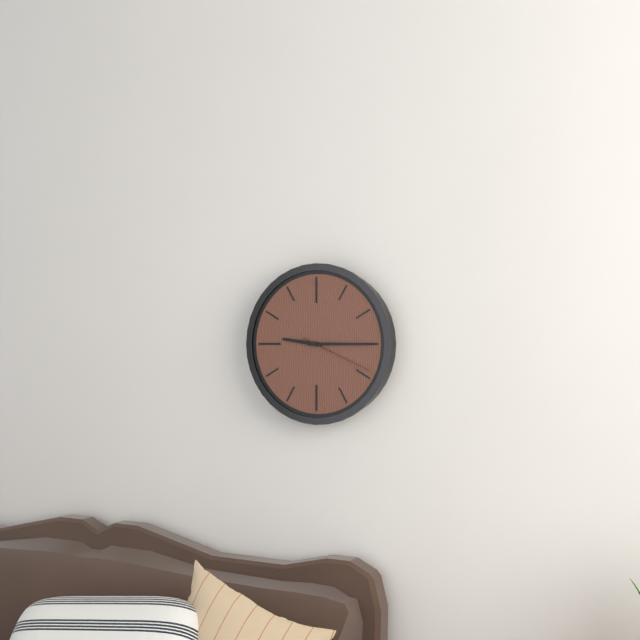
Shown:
9:15:19
